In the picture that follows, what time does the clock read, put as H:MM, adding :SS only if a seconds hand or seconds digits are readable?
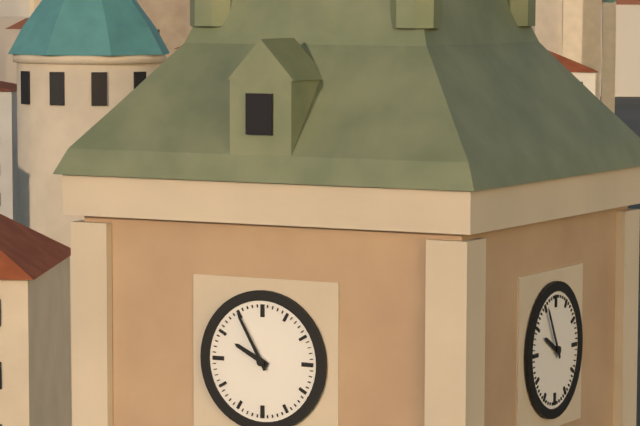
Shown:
9:55
